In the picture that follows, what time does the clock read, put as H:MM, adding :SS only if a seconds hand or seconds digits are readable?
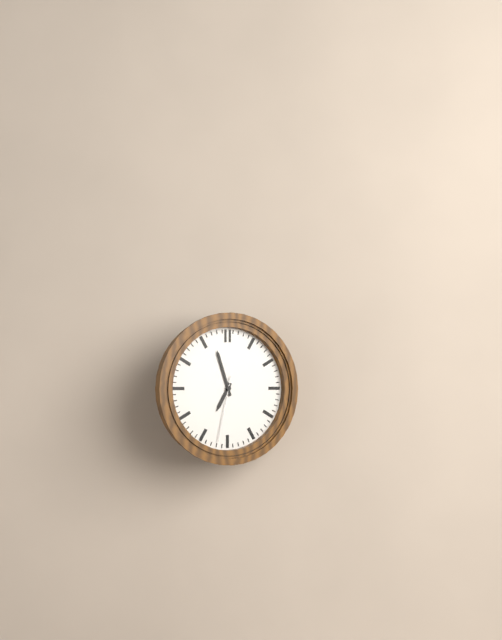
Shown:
6:57:32
